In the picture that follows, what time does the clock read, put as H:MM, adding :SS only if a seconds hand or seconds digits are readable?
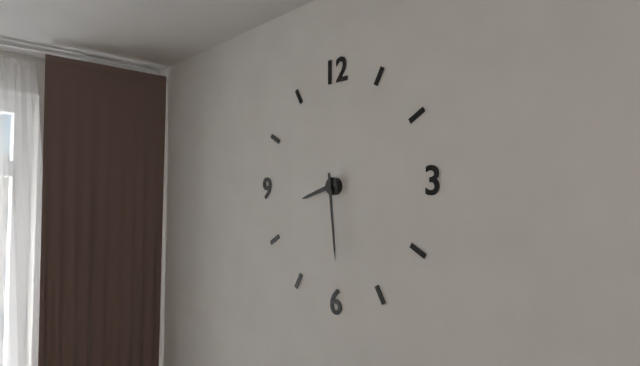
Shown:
8:29
